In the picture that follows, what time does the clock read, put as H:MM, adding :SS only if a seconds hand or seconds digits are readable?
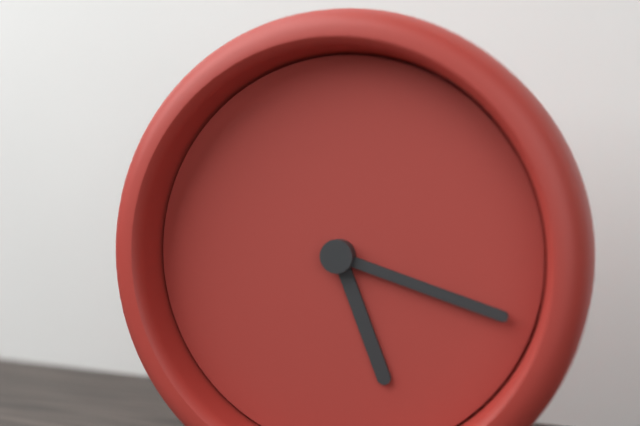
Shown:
5:18
